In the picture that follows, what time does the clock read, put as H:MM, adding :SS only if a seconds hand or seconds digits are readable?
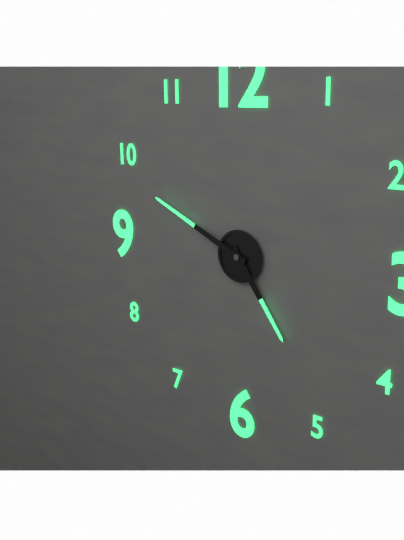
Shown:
4:49
